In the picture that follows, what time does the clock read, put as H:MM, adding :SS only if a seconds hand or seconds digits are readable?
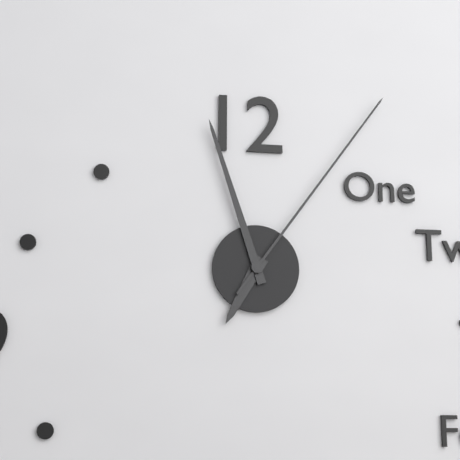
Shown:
6:57:06
